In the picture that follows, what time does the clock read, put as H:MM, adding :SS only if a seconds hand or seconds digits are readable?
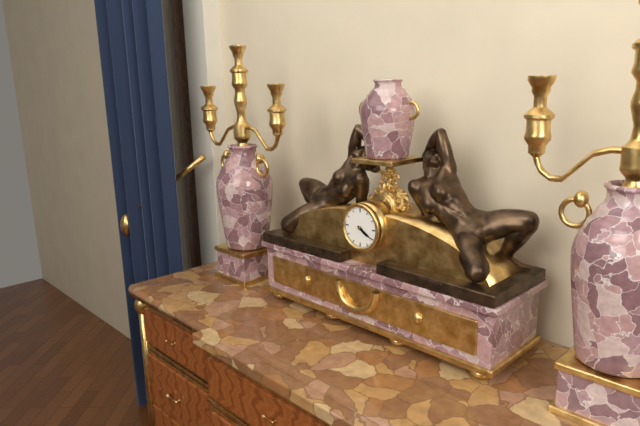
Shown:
4:20
